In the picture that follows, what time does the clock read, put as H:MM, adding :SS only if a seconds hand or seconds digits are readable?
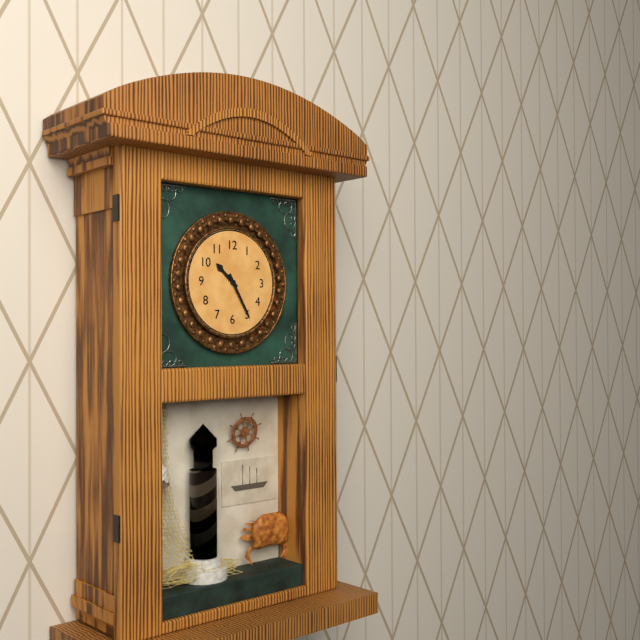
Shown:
10:25
